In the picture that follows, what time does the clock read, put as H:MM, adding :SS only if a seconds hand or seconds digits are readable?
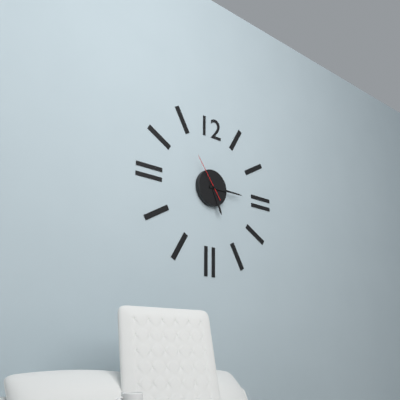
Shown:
5:15
